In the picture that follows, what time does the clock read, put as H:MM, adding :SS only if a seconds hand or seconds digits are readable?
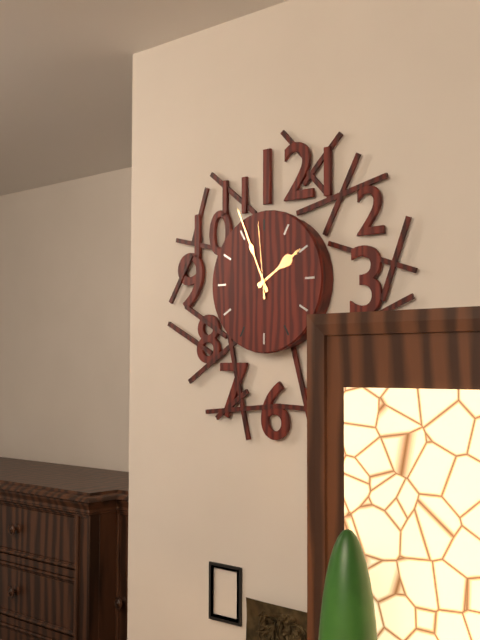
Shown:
1:56:59
